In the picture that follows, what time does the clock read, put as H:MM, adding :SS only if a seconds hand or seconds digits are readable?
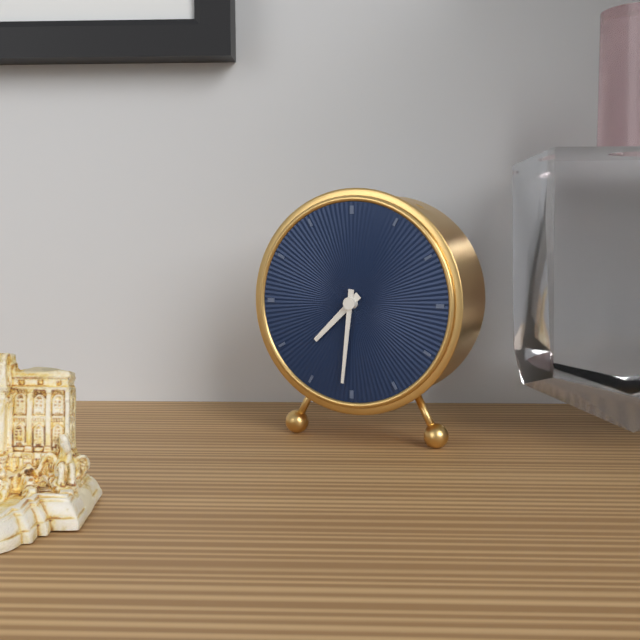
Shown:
7:31
